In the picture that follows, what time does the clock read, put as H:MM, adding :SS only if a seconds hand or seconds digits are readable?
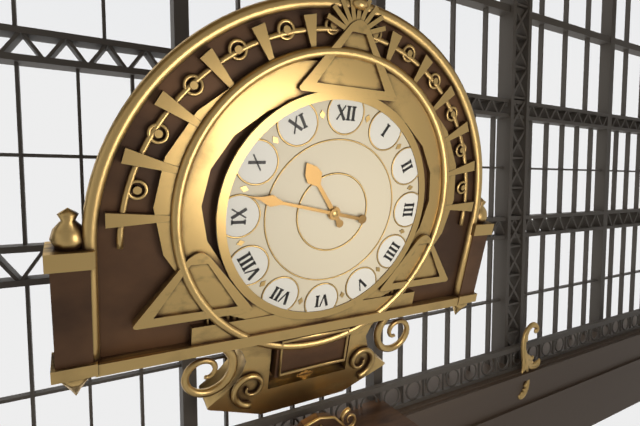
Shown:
10:47
